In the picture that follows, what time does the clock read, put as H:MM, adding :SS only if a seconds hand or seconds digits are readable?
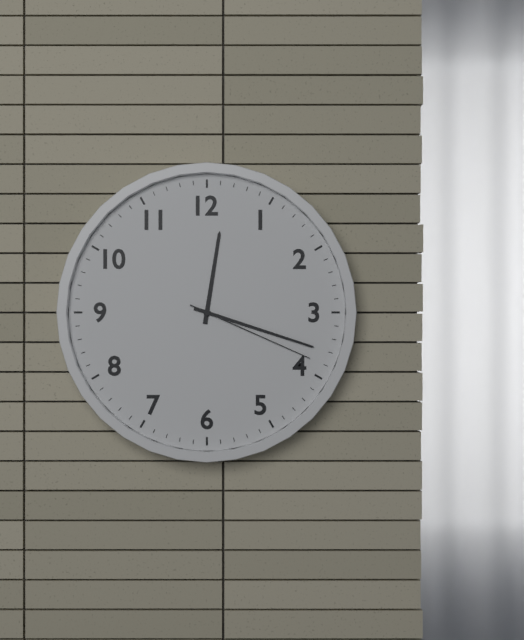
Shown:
12:18:19
